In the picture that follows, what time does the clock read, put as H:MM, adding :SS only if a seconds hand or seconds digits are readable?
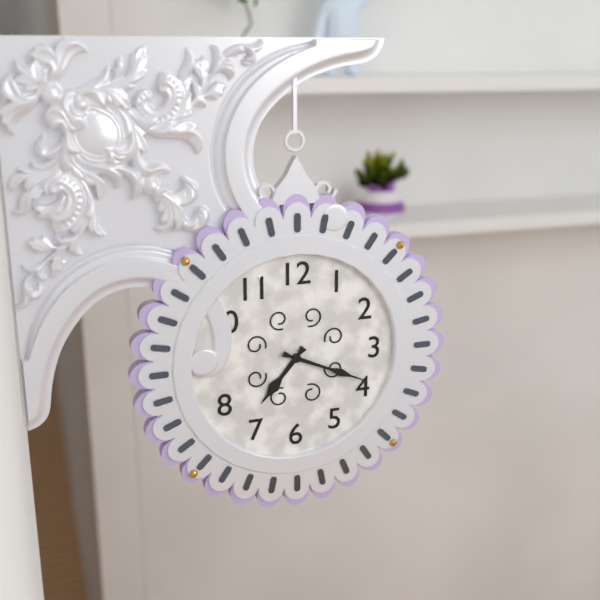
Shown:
7:19
